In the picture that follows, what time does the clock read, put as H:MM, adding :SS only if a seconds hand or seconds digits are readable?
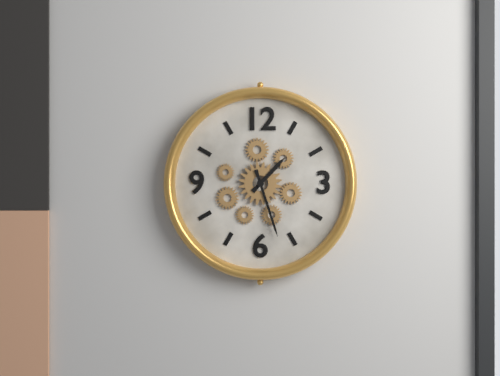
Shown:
1:27
